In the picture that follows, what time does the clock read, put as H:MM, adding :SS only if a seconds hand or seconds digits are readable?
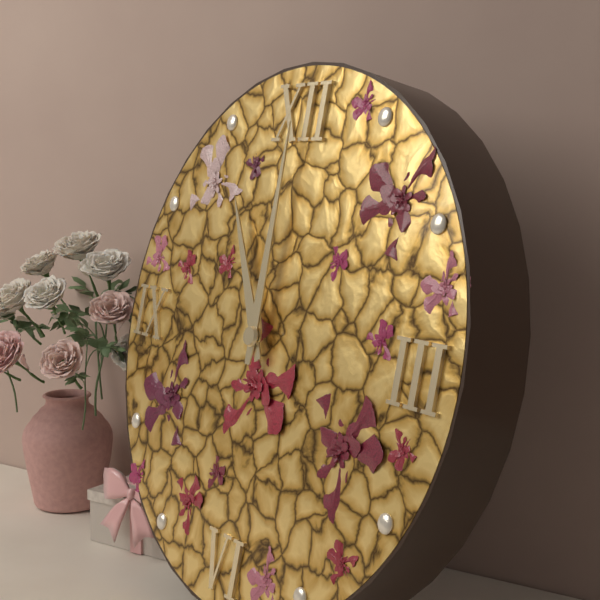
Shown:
11:00
